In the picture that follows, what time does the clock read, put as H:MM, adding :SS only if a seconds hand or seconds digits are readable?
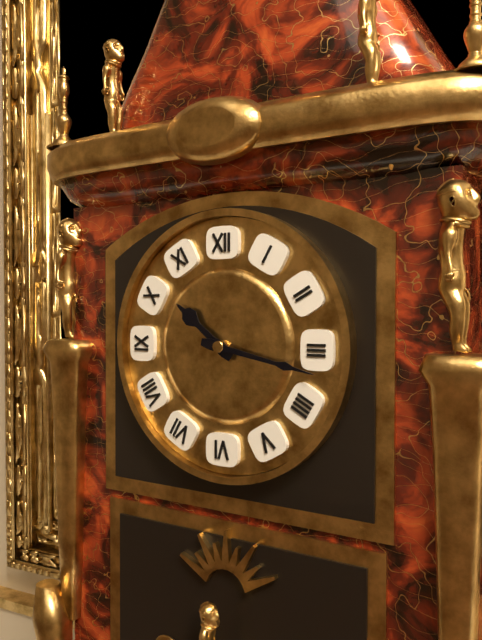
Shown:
10:17
